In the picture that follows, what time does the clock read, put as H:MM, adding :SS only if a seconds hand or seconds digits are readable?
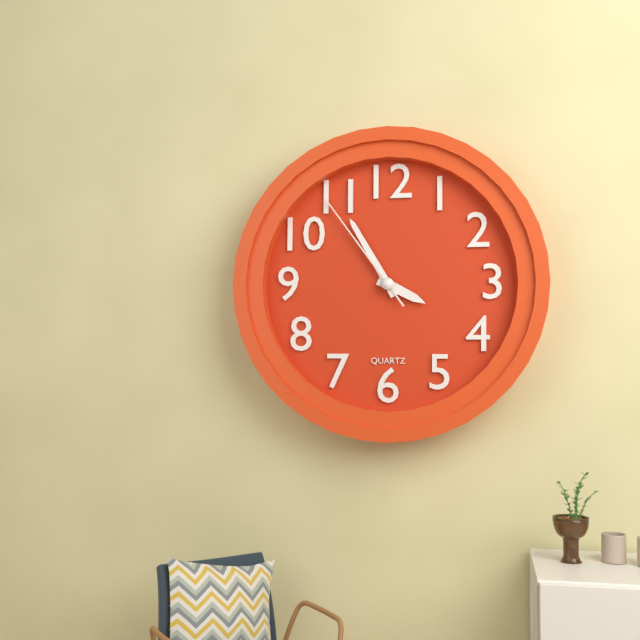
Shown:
3:55:54
